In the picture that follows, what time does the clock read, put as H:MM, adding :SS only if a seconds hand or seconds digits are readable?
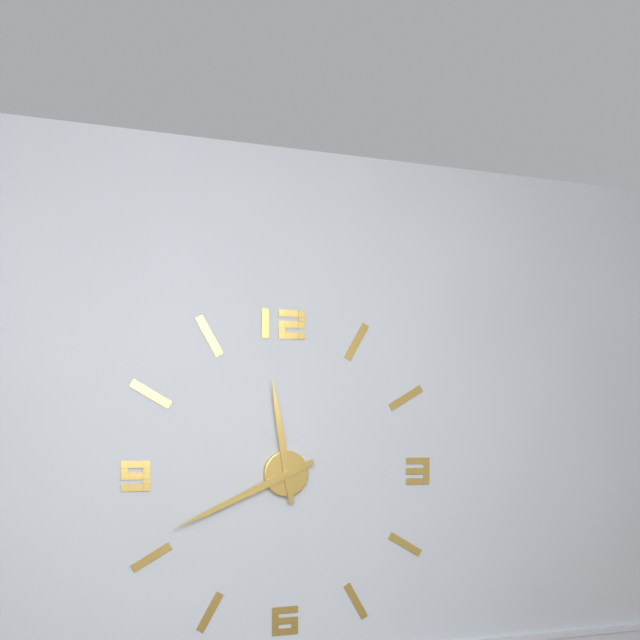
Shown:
11:41
